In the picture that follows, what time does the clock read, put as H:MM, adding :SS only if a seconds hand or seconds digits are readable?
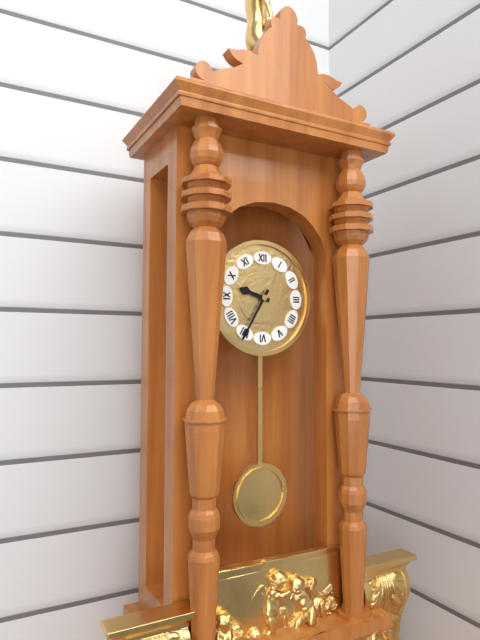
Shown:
9:35
